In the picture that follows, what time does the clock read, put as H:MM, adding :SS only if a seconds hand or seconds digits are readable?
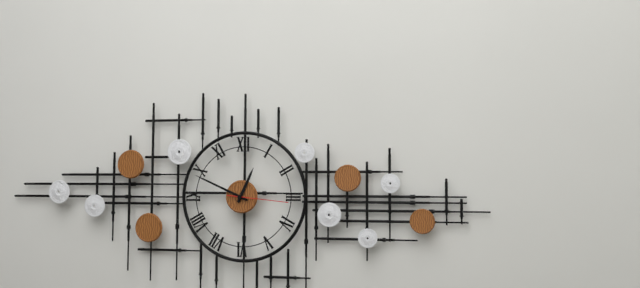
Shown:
12:49:16
